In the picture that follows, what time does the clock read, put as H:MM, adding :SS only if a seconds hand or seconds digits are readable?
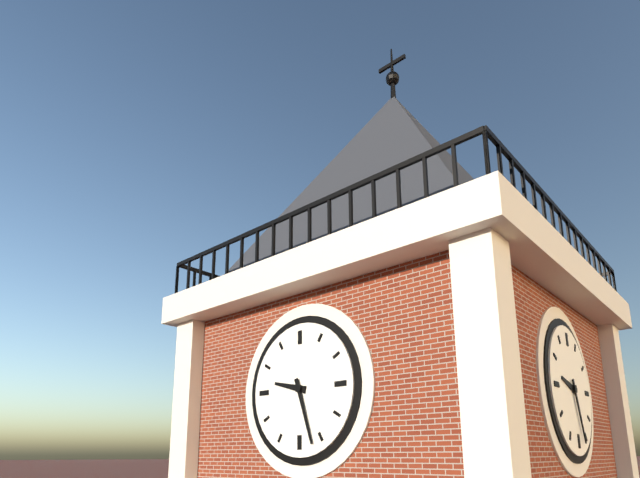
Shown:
9:27
